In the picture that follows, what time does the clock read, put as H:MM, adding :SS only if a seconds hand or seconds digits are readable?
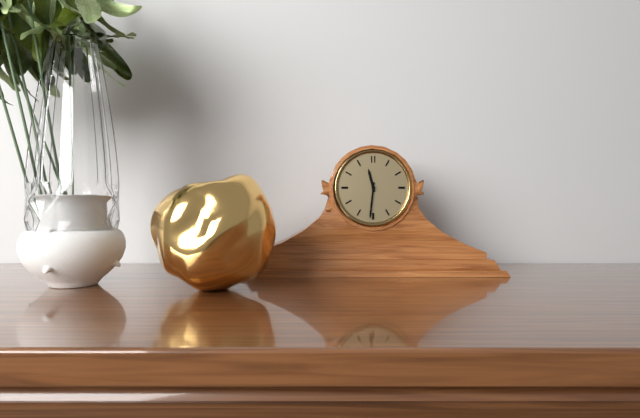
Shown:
11:31
